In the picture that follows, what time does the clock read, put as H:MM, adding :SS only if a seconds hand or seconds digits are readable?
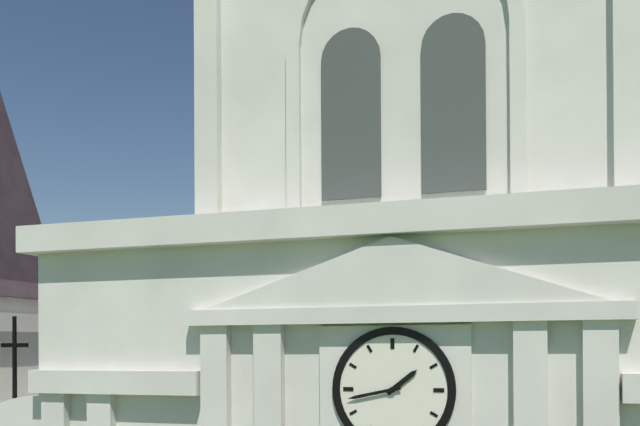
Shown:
1:43
